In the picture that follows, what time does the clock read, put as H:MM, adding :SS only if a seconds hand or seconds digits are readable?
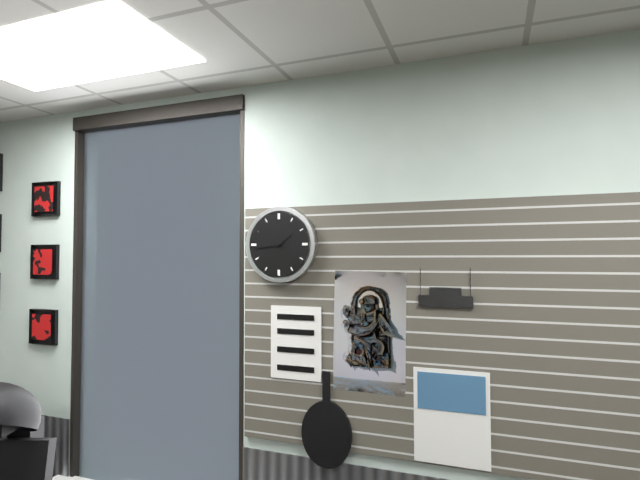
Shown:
1:44
